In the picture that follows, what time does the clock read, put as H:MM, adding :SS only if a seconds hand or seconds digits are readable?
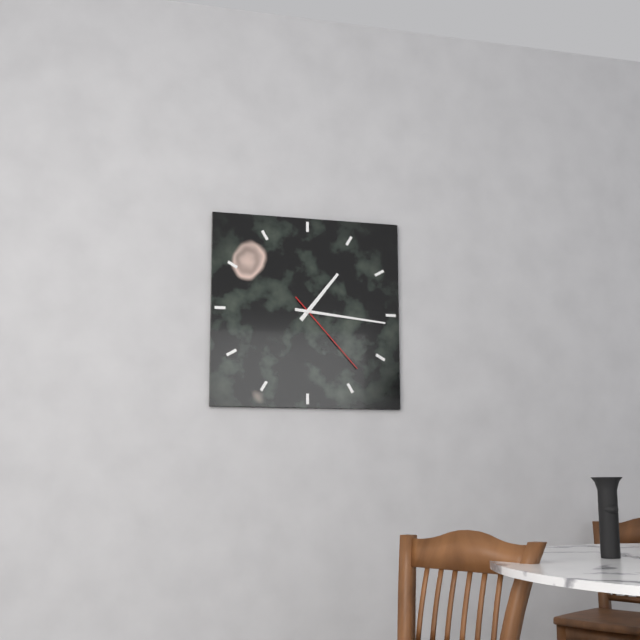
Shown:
1:16:23
